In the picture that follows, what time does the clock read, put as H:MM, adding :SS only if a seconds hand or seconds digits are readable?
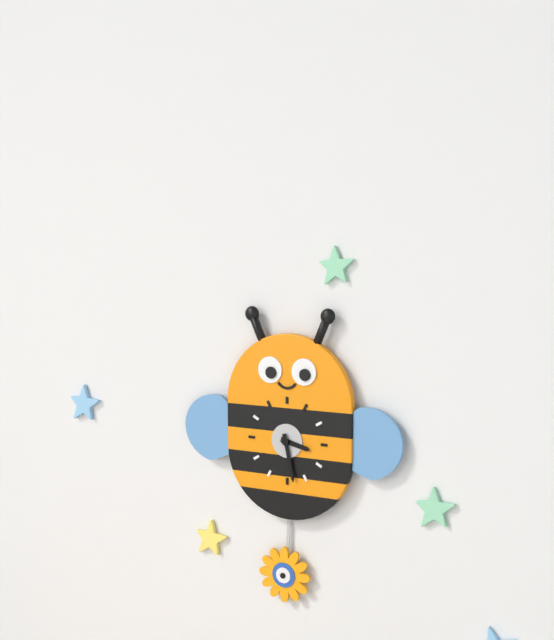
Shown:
3:28
